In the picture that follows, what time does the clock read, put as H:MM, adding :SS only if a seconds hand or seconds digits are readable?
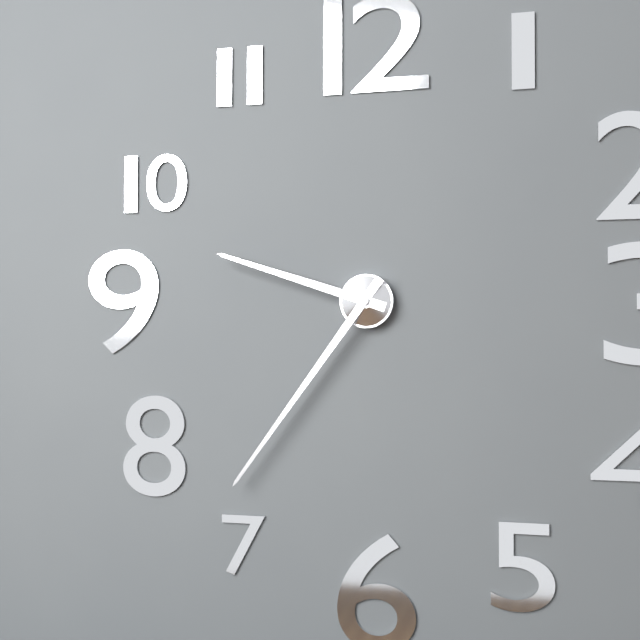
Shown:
9:36
